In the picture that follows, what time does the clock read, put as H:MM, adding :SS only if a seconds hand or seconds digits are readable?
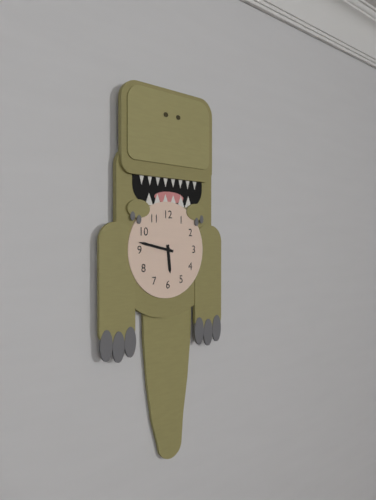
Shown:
5:47
